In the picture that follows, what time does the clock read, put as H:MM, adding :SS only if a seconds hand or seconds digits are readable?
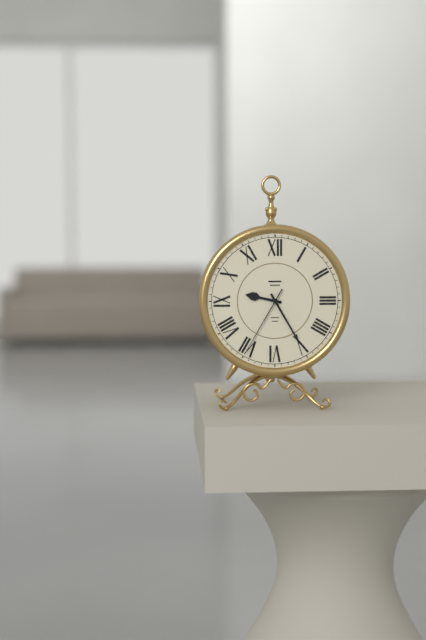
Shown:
9:25:35
